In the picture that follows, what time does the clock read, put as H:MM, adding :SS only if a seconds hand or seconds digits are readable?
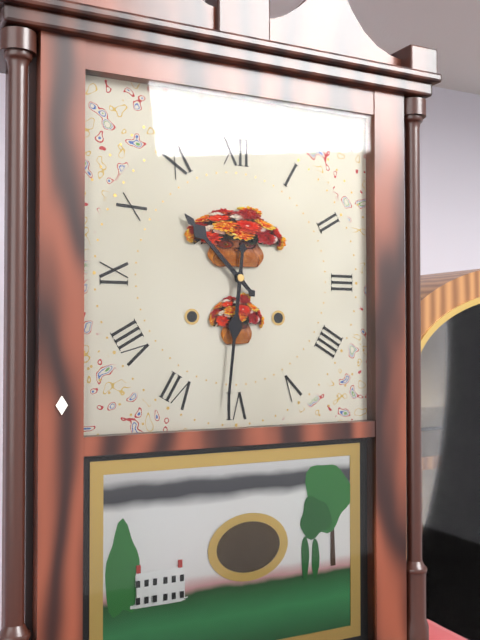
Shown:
10:31
